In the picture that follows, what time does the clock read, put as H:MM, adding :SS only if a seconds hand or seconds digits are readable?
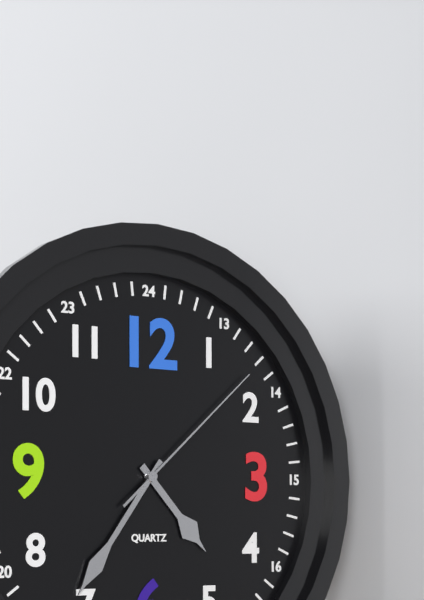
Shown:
4:36:08
